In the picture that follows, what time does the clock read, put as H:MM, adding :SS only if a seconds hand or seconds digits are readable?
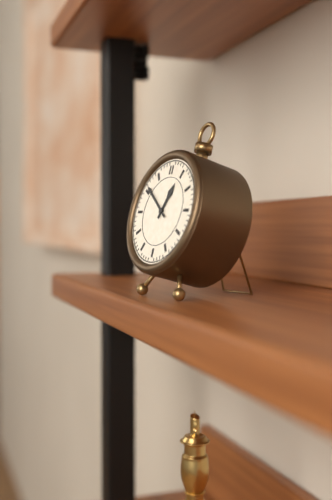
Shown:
12:51
